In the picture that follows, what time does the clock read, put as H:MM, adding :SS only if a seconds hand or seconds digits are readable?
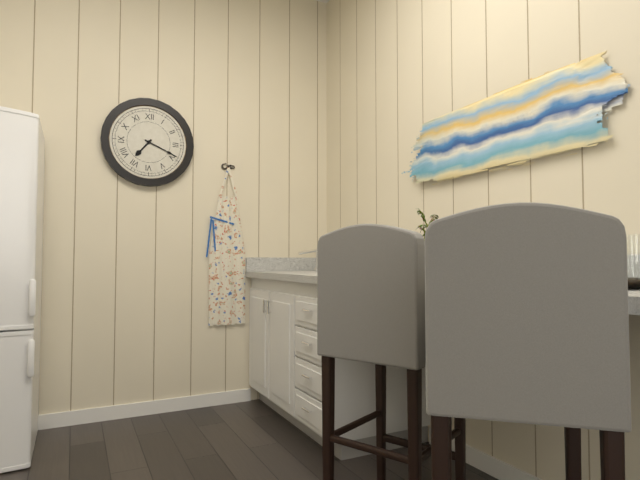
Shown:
7:19
